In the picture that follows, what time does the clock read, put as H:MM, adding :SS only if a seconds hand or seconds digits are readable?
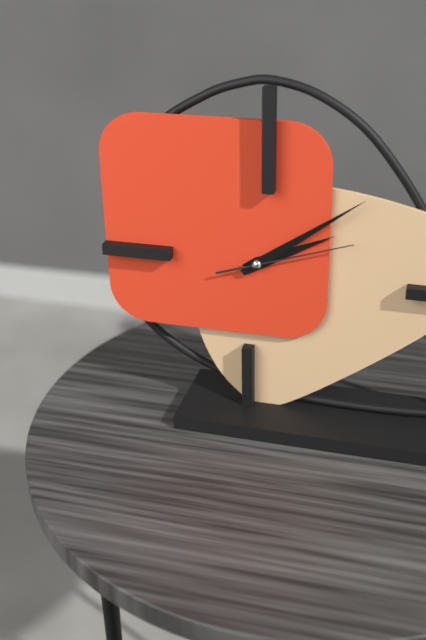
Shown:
2:09:12
